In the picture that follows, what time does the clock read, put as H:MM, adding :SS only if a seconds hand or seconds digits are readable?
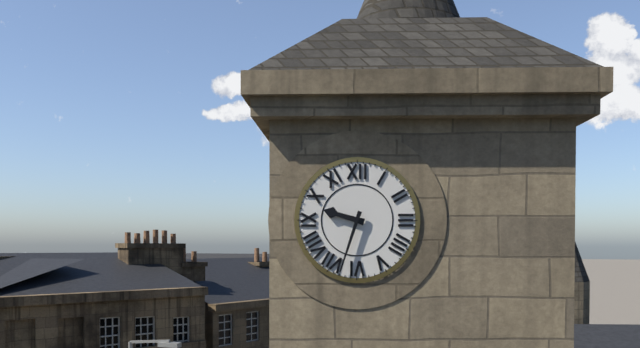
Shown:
9:33
